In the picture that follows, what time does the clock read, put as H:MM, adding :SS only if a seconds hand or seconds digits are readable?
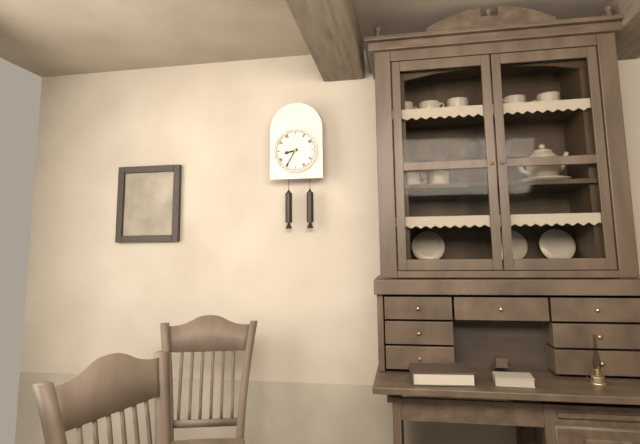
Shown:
8:35
